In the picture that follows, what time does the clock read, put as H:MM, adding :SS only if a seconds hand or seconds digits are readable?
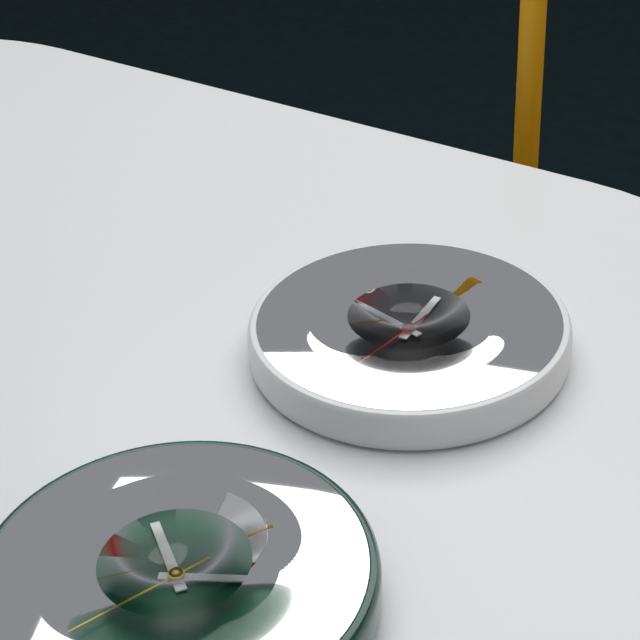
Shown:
11:47:31
